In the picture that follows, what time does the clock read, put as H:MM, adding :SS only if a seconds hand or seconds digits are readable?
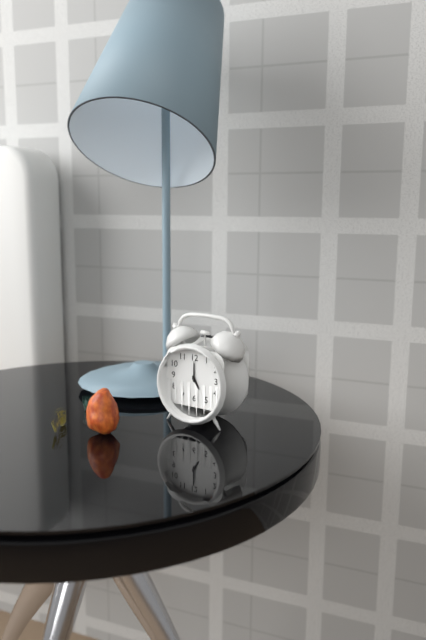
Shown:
5:00
